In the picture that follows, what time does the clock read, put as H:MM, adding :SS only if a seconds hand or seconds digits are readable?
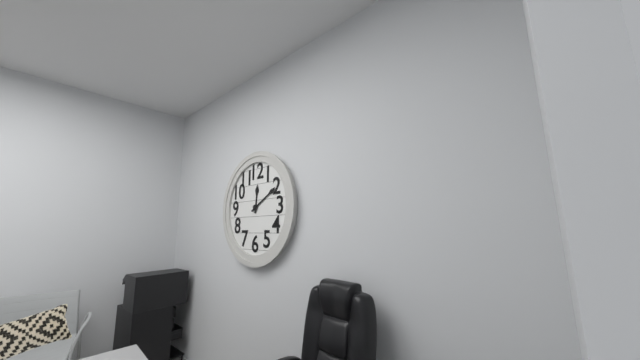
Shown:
12:10
